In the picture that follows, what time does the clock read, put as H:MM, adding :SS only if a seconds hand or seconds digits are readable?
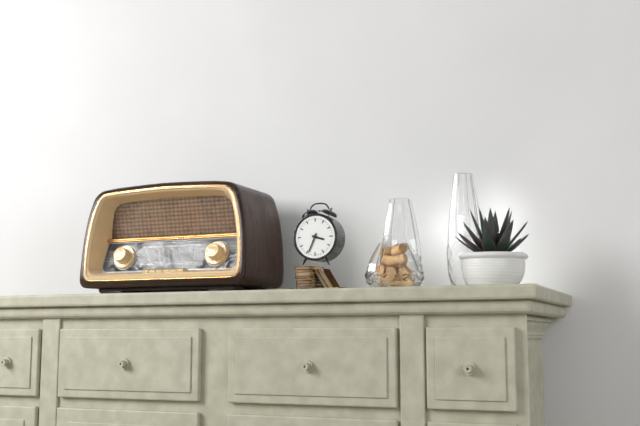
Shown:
3:34
